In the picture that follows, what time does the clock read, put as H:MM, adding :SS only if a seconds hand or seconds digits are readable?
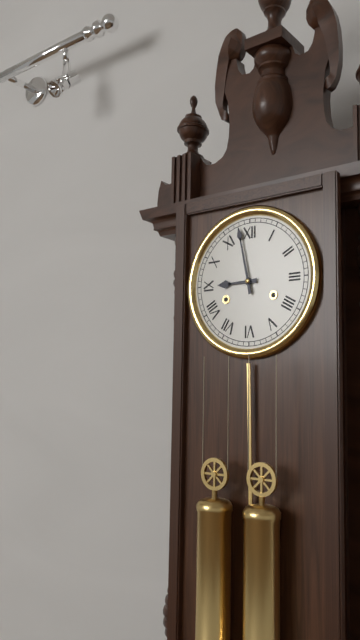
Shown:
8:58
